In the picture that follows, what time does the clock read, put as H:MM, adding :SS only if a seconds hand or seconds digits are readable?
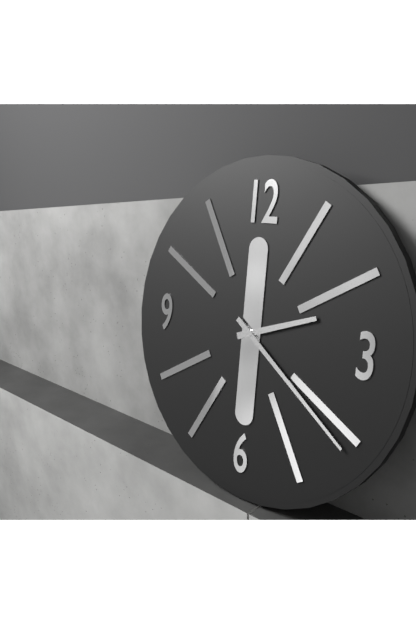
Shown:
2:21
